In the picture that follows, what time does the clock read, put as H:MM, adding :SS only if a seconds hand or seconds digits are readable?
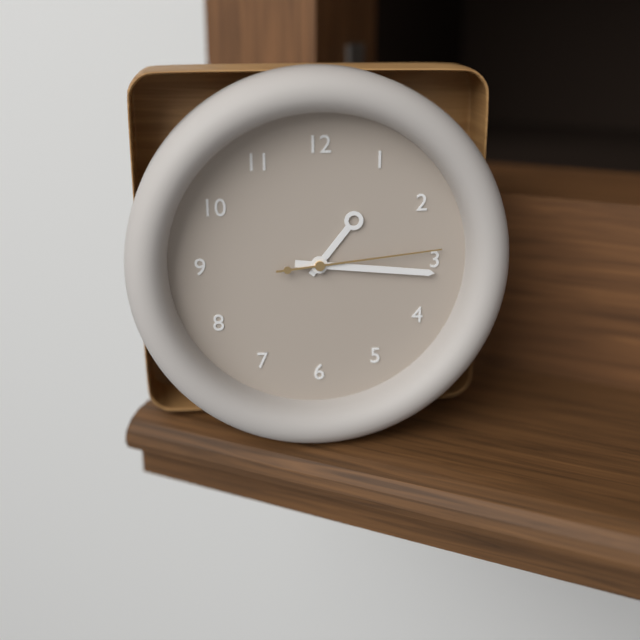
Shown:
1:16:14
